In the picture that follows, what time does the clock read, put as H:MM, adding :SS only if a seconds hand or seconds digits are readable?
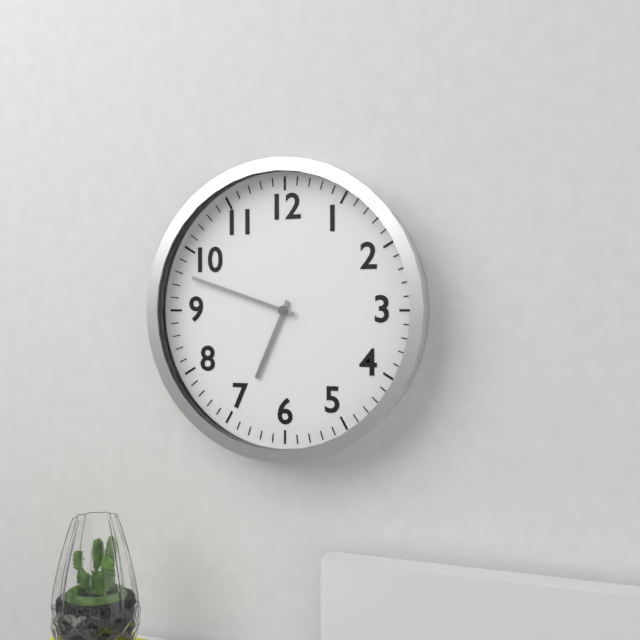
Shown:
6:48
